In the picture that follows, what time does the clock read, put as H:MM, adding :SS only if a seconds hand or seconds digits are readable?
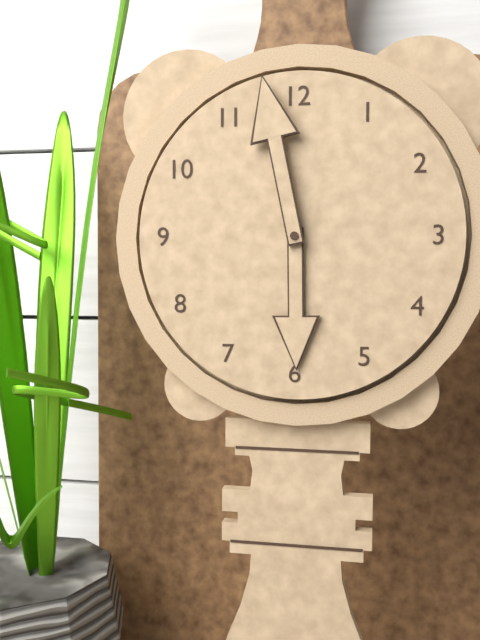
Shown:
5:58
